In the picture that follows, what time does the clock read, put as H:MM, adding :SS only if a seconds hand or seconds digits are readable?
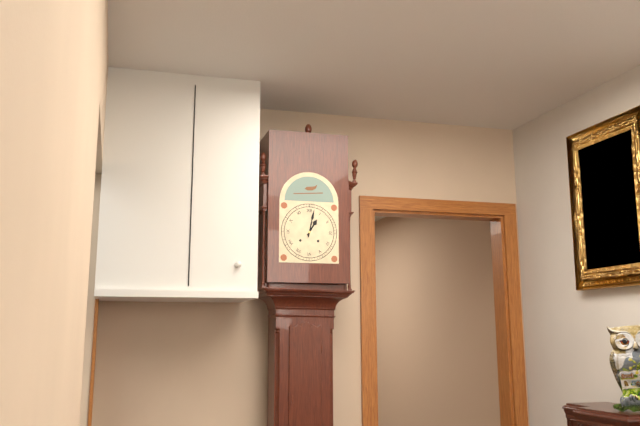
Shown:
1:02
